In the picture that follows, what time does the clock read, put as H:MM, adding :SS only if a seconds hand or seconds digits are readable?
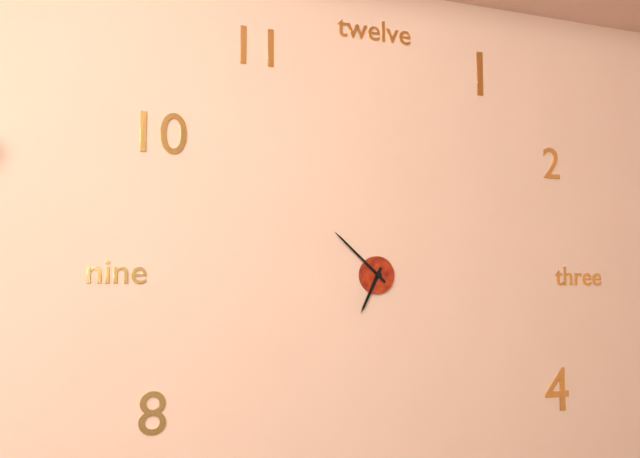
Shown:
6:52
